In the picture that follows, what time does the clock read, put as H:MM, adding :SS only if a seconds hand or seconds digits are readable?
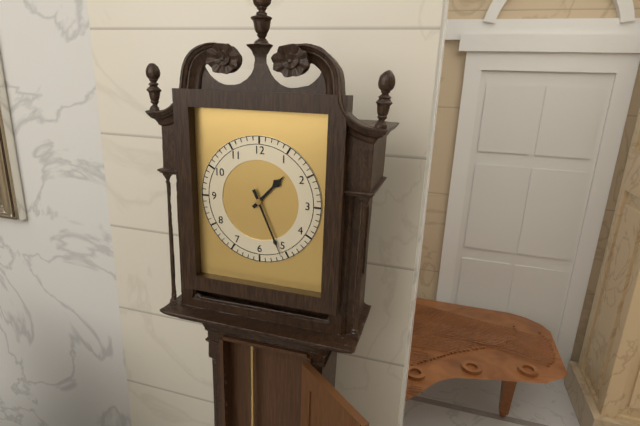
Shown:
1:26
